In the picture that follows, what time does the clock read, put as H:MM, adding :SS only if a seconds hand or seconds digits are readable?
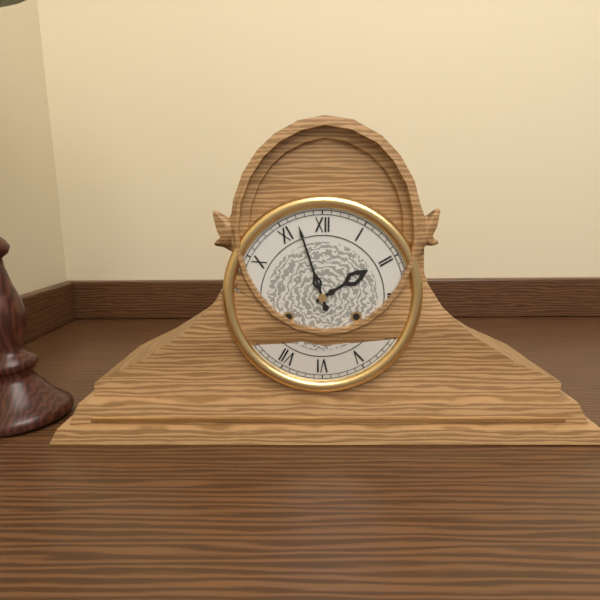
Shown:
1:57
